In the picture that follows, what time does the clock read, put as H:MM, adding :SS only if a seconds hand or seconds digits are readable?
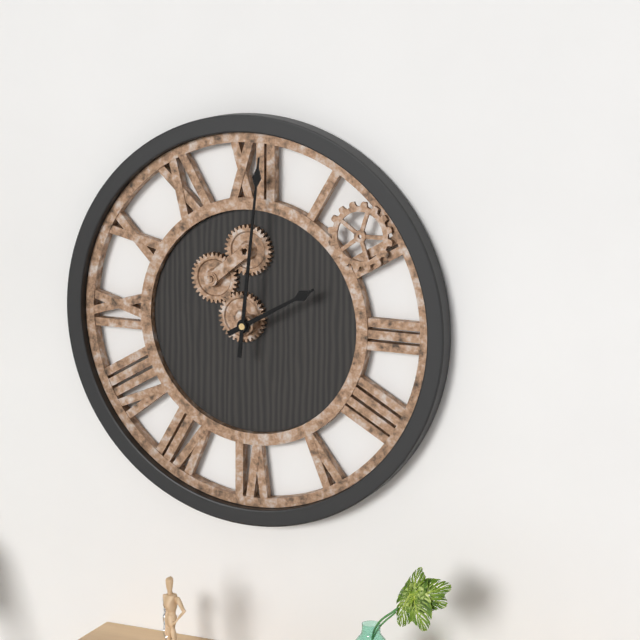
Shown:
2:01
